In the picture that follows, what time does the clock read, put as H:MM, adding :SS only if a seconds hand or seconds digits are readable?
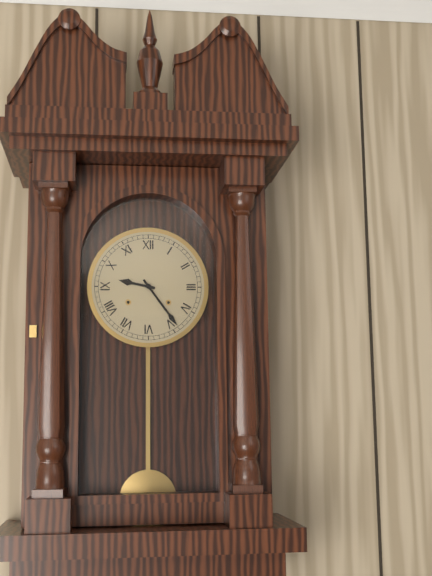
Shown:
9:24
